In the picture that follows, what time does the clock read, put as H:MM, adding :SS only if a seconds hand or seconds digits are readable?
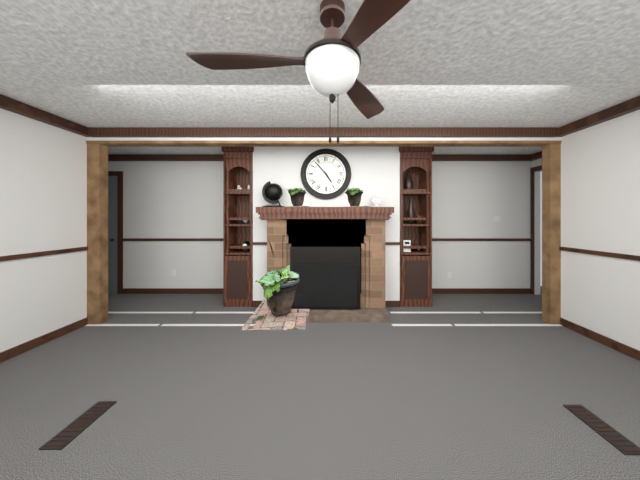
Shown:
4:53
